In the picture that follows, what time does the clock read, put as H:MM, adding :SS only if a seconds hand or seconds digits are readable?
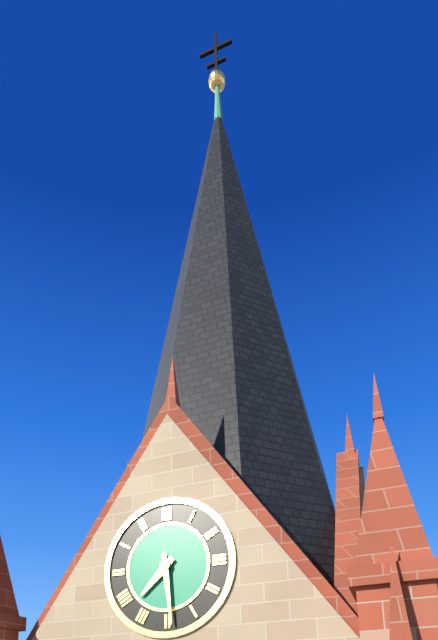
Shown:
7:29
